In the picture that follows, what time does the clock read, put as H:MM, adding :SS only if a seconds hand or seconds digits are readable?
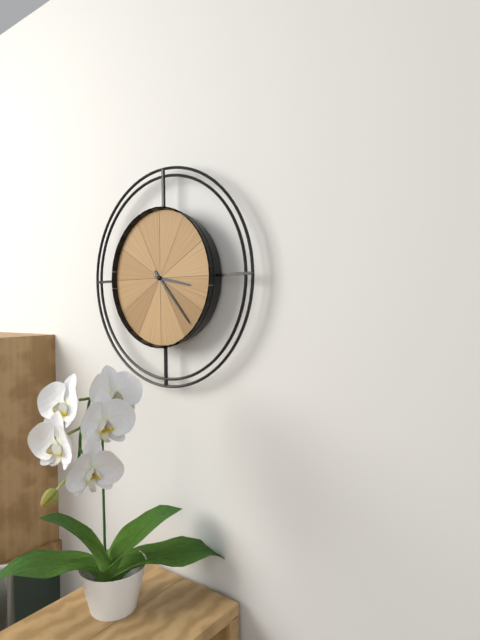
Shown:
3:23
